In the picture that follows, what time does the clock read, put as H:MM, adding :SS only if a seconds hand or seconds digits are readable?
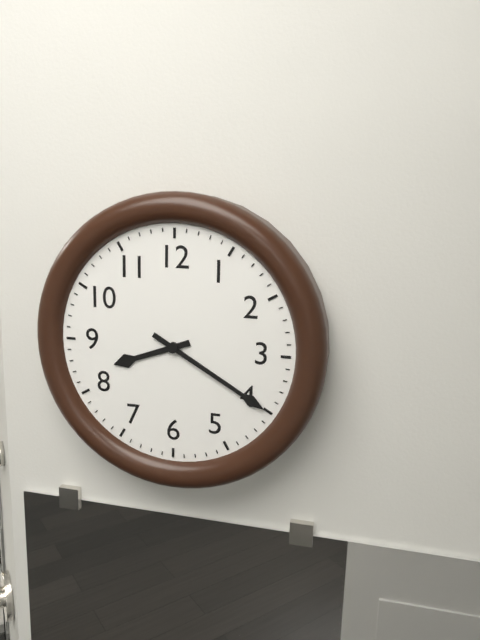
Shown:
8:20
